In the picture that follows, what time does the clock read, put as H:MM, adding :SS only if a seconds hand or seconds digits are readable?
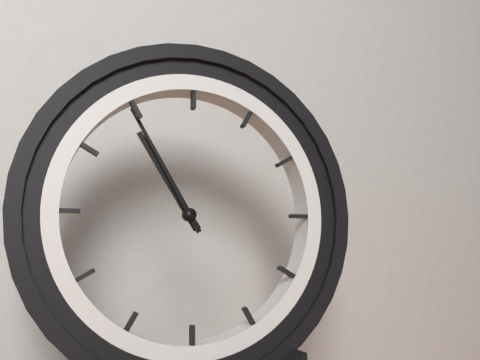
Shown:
10:55
